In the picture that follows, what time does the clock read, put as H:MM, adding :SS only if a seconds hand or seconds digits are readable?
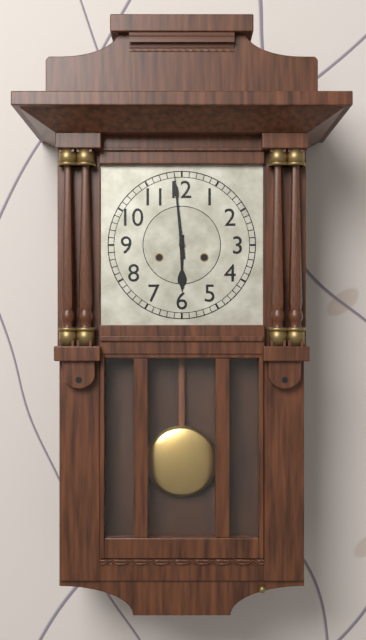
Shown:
5:59
